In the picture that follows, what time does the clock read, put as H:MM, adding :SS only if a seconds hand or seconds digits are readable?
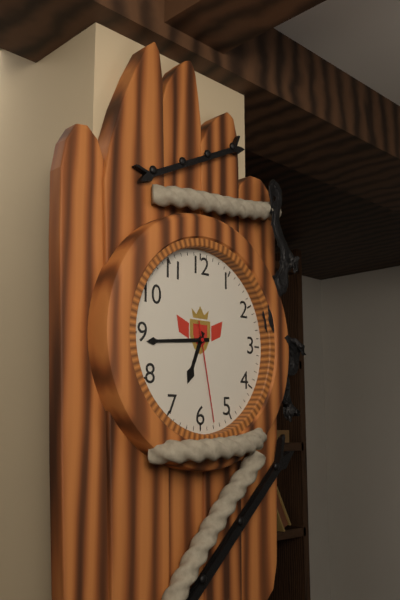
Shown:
6:44:28
